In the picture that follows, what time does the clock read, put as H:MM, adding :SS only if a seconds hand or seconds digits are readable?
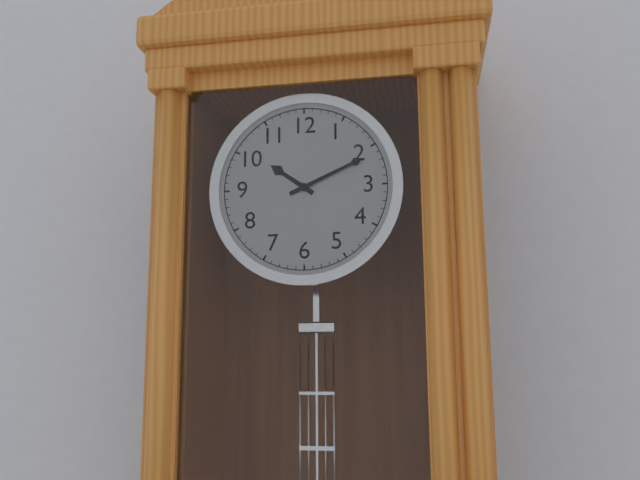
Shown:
10:11
